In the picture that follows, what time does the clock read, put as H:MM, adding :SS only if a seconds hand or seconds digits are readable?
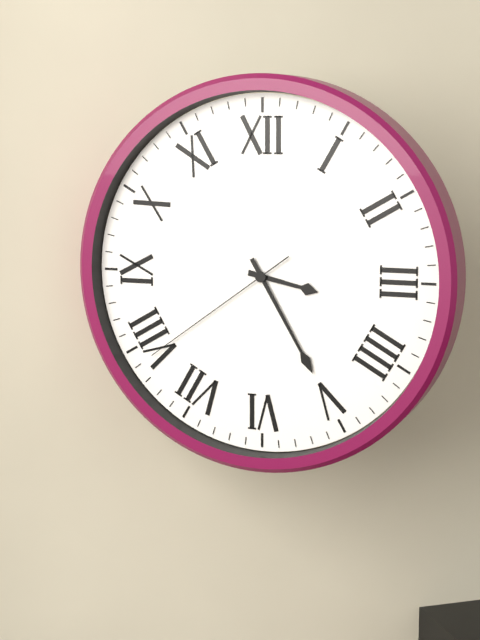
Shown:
3:25:39
